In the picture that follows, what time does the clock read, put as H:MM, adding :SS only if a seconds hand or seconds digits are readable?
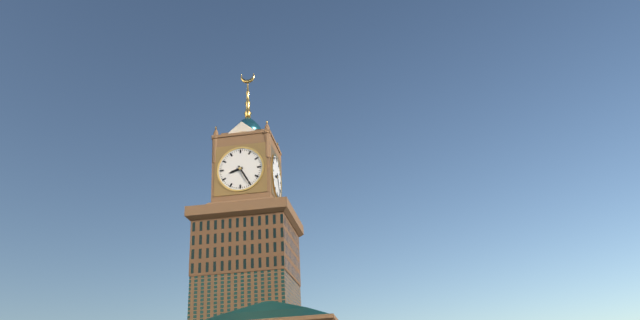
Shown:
8:25
